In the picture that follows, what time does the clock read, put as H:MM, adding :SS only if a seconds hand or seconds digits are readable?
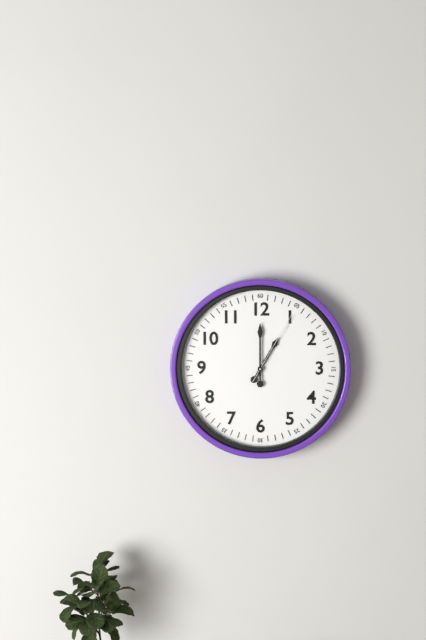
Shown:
1:00:05
